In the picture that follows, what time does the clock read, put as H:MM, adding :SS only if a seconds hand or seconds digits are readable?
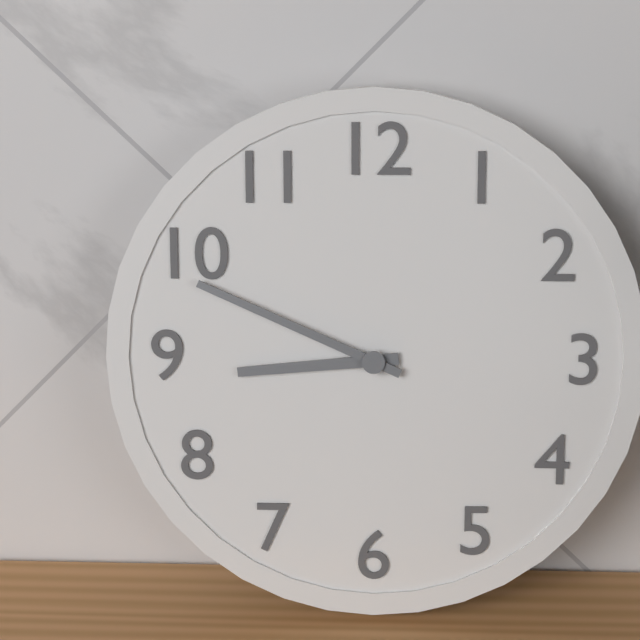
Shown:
8:49
